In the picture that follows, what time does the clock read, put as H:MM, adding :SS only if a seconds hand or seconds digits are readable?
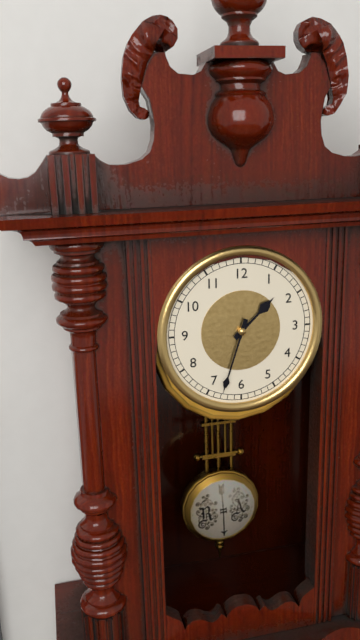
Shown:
1:33
